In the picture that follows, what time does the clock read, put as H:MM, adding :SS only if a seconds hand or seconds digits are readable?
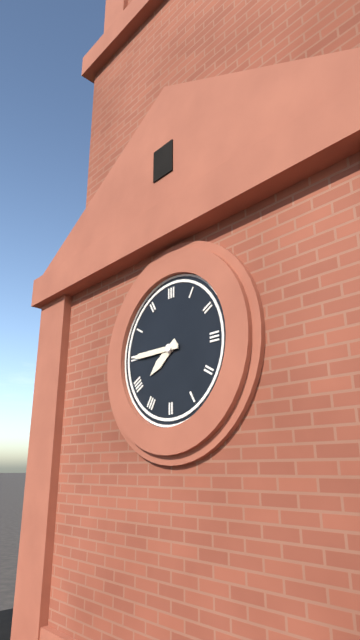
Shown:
7:45
